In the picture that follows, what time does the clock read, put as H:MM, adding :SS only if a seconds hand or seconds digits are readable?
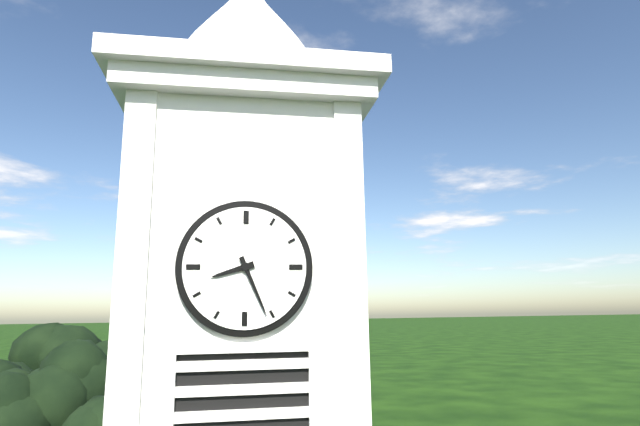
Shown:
8:26
